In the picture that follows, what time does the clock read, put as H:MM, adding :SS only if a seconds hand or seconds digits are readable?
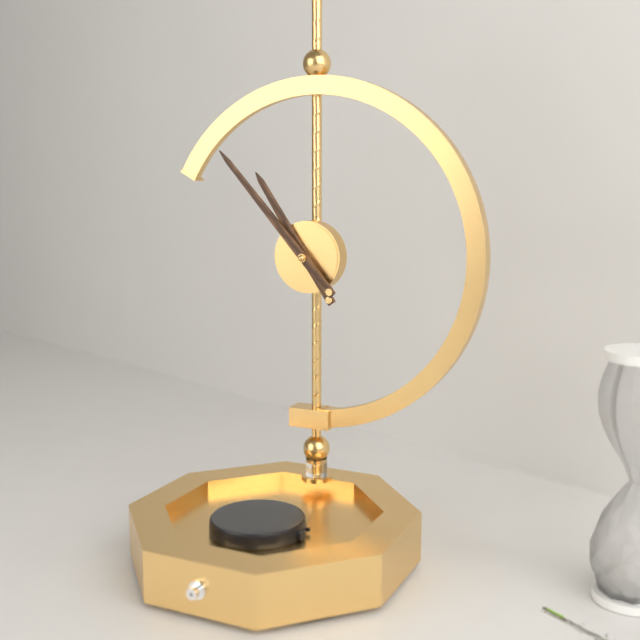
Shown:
10:53
